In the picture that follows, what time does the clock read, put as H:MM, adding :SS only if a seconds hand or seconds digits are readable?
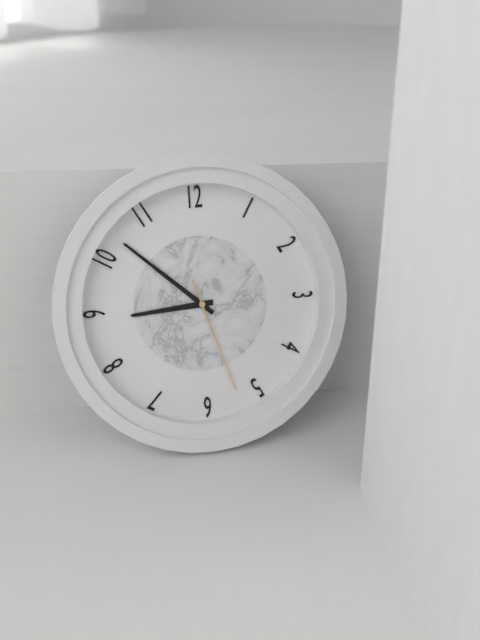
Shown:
8:52:27
